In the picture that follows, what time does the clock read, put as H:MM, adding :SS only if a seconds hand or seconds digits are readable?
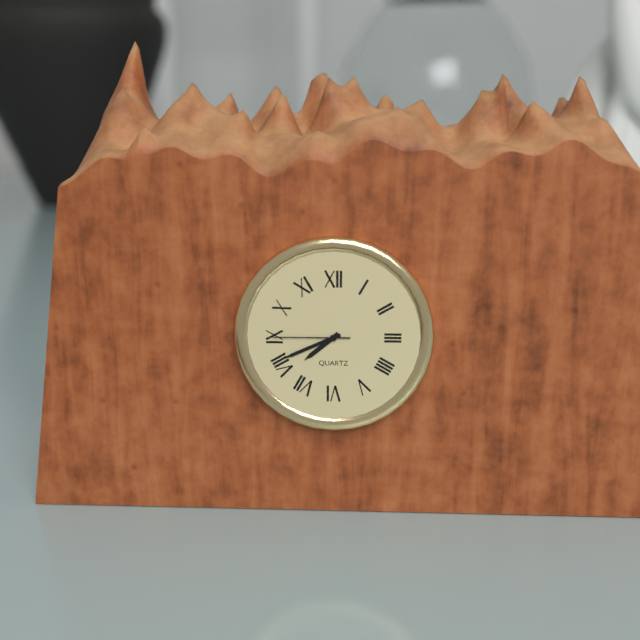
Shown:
7:41:45
